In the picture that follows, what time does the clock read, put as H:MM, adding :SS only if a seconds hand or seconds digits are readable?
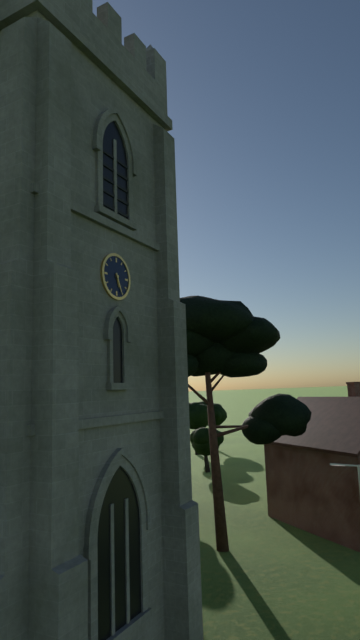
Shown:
5:26
